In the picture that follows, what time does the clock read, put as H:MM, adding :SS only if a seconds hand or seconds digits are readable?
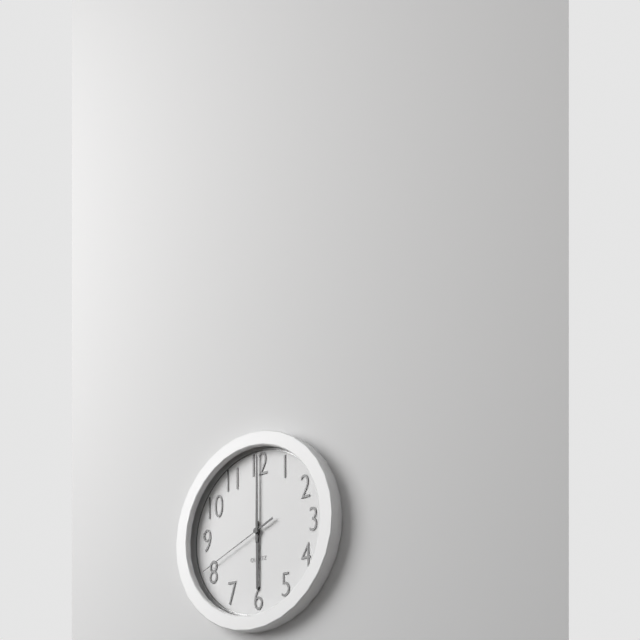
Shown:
6:00:41
